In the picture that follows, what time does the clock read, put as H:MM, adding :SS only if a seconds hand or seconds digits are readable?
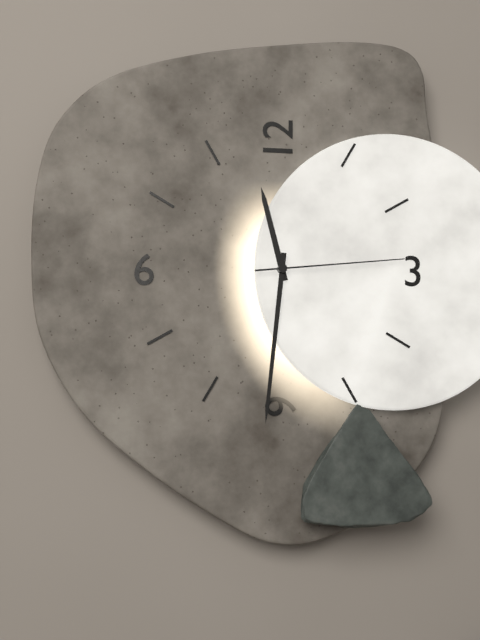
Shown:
11:31:14
